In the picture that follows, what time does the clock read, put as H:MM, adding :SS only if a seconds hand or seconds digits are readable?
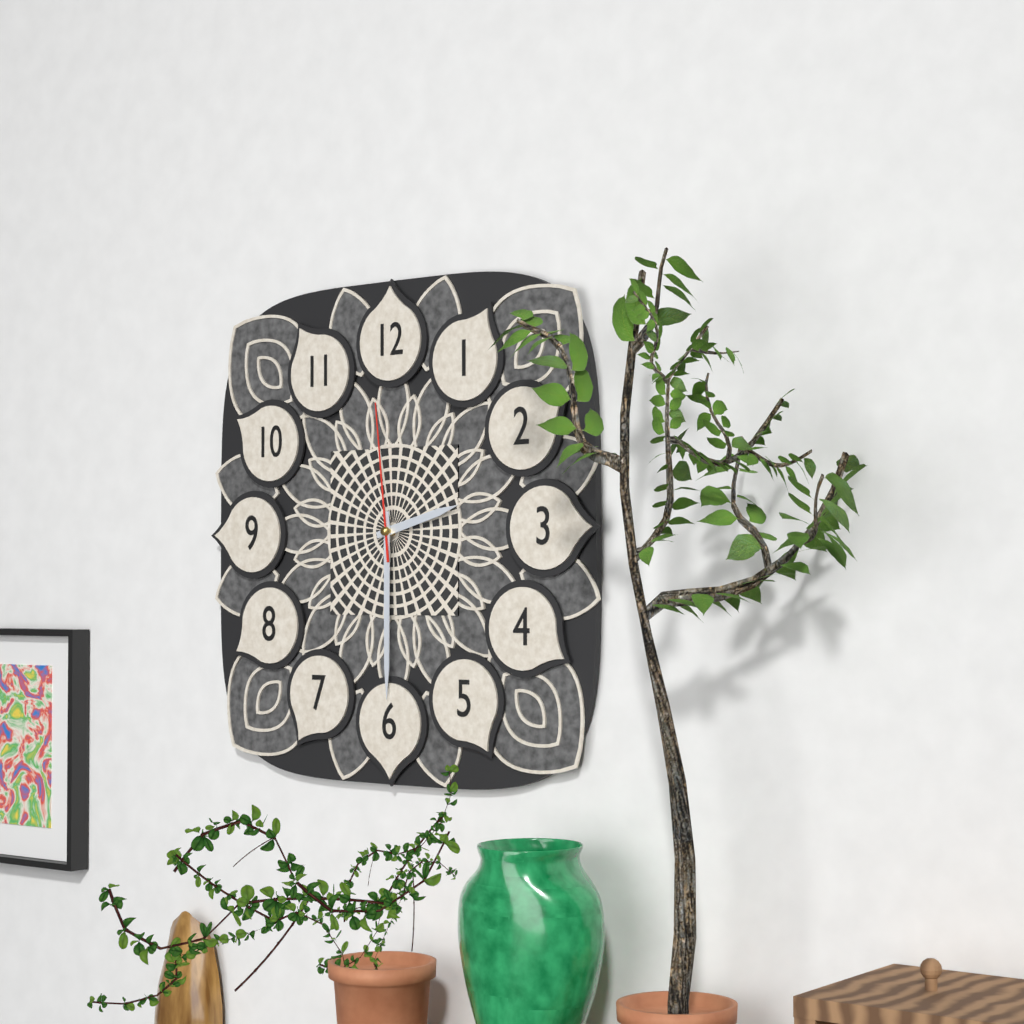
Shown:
2:30:59
